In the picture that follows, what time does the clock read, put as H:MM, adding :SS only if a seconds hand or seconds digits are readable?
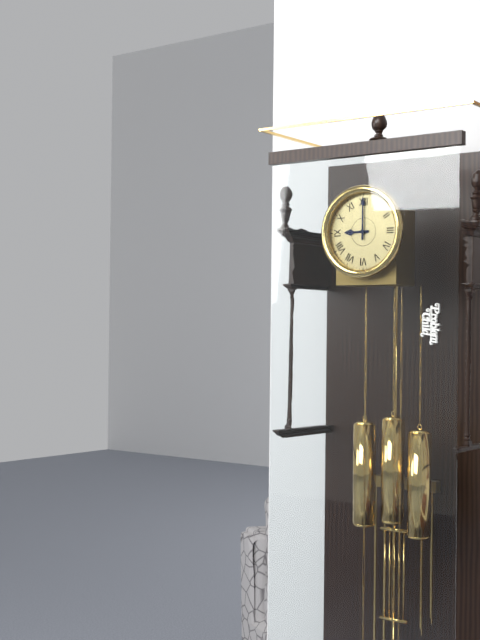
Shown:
9:00
